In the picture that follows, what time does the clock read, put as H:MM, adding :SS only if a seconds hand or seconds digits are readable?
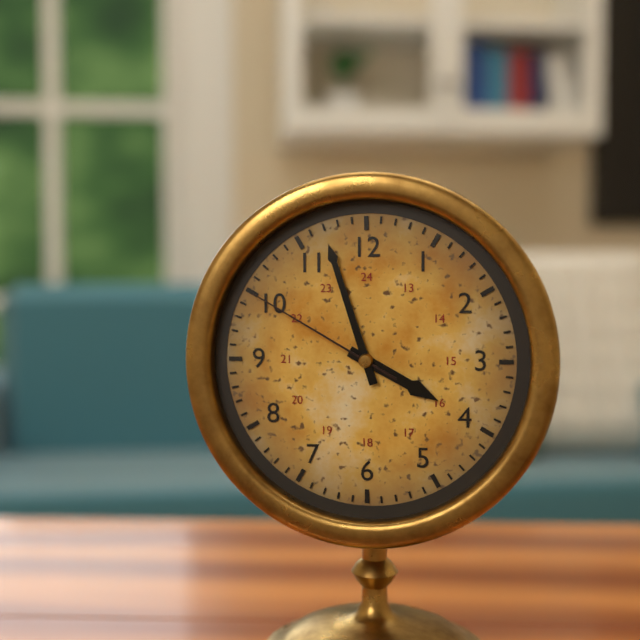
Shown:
3:57:50
